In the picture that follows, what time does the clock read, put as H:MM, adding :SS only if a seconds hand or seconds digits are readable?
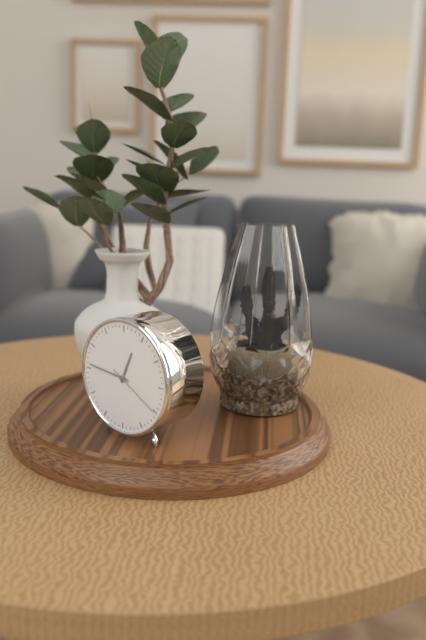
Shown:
12:46:20
